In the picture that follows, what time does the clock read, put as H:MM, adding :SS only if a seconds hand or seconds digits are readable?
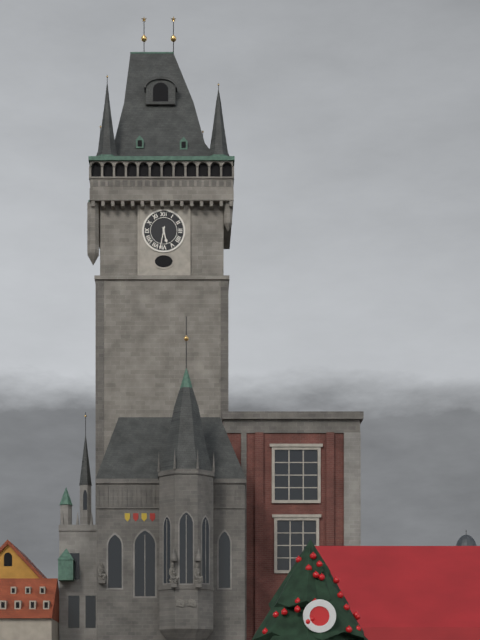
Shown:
5:32
